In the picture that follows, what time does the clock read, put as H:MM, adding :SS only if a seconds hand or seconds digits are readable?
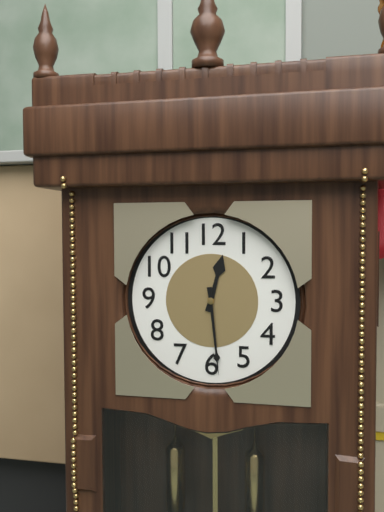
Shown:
12:29
